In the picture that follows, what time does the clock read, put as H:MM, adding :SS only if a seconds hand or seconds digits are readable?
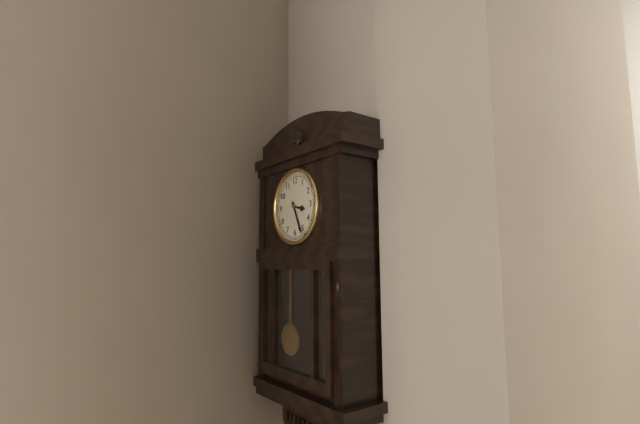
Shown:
3:26
